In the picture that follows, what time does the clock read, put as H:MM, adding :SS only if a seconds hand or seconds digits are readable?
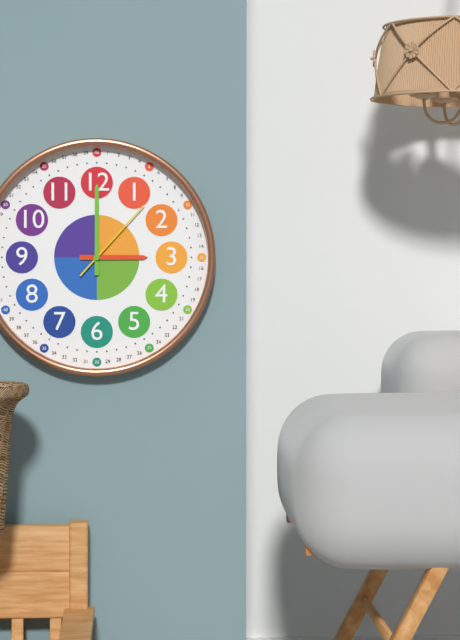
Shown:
3:00:07
